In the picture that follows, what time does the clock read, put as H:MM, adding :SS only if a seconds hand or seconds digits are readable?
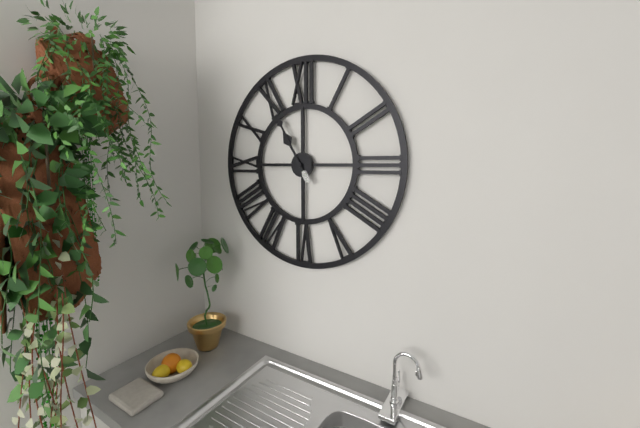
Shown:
10:55
